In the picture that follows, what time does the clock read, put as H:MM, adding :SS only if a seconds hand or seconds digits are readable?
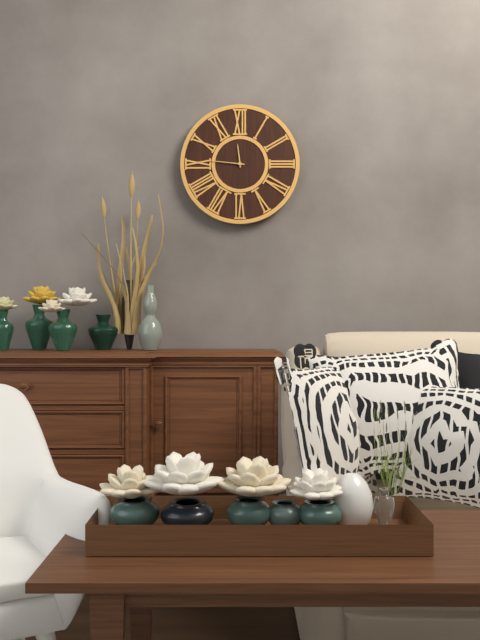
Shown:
11:46
